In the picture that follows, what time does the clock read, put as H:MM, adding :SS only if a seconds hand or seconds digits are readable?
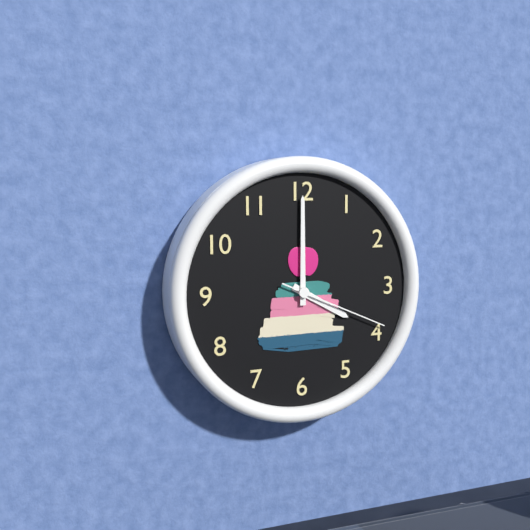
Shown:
4:00:19
